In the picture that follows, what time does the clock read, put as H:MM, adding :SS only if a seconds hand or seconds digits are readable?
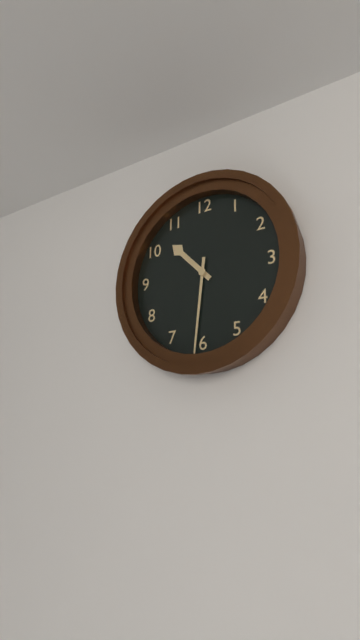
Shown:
10:31
